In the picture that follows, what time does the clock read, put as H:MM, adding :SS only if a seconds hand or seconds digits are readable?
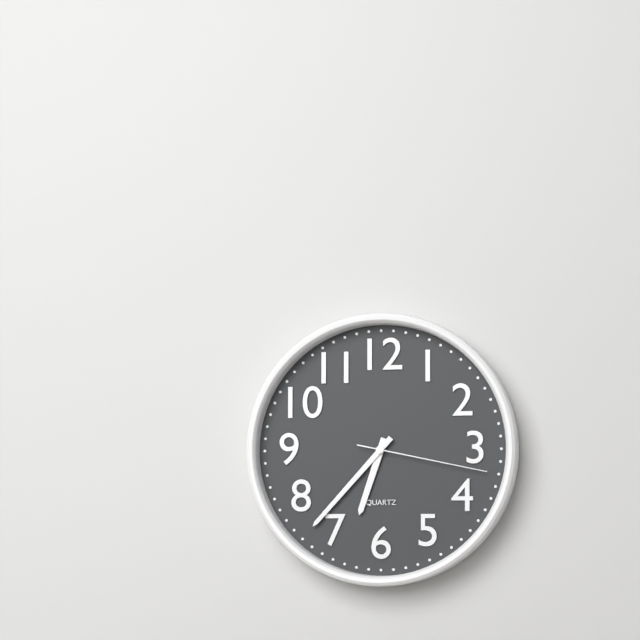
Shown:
6:37:17
